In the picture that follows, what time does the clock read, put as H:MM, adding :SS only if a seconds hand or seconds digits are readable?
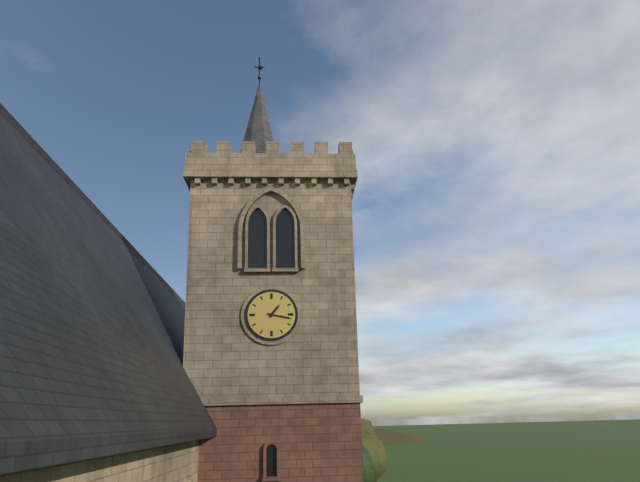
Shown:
1:17
